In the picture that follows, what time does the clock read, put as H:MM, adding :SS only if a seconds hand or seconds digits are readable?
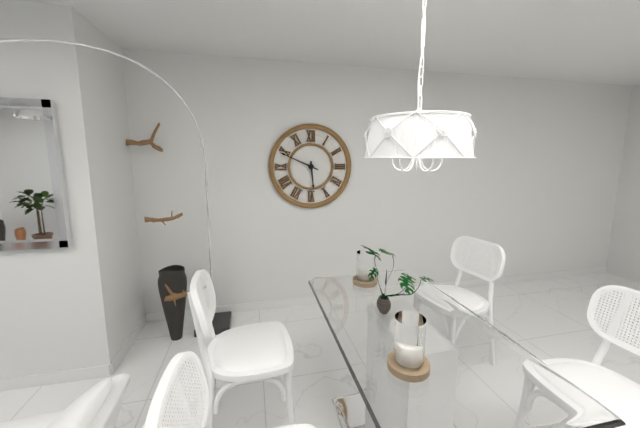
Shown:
5:49
